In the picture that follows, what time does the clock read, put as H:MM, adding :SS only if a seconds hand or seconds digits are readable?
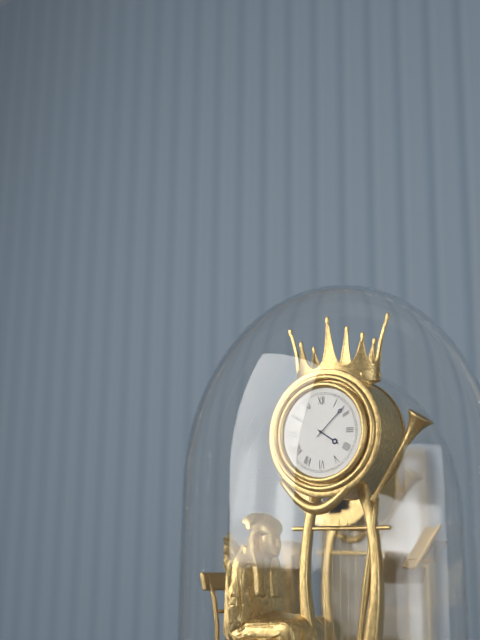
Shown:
4:08
